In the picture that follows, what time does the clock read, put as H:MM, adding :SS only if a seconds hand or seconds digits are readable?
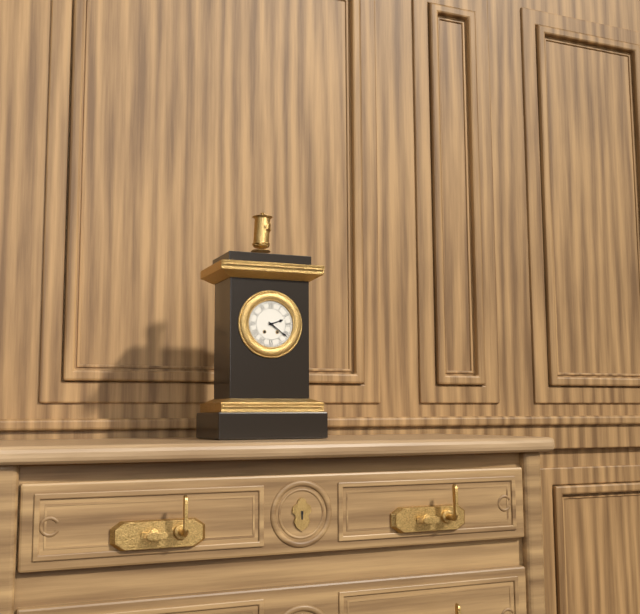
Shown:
2:21
